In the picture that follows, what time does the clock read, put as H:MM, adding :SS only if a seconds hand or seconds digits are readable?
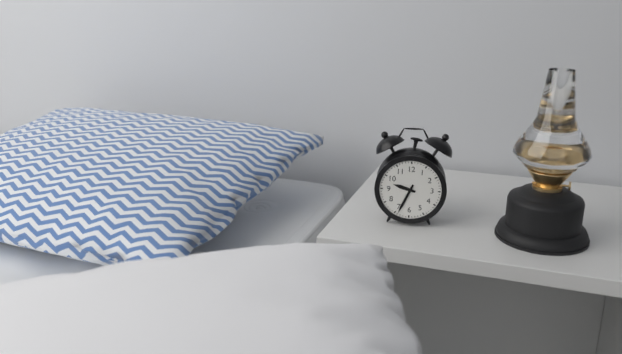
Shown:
9:34
